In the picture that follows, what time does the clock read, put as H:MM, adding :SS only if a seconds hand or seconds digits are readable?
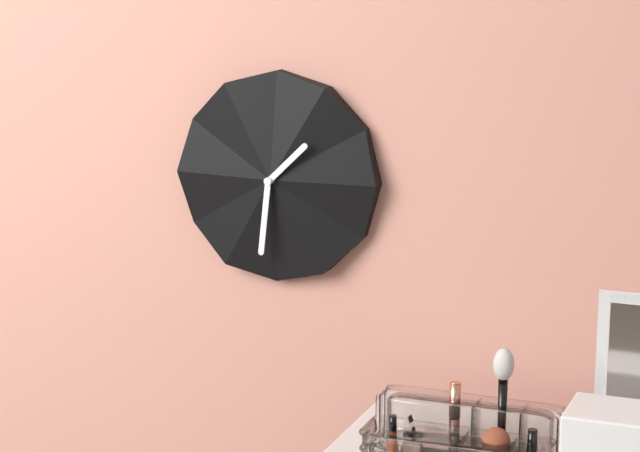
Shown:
1:31
